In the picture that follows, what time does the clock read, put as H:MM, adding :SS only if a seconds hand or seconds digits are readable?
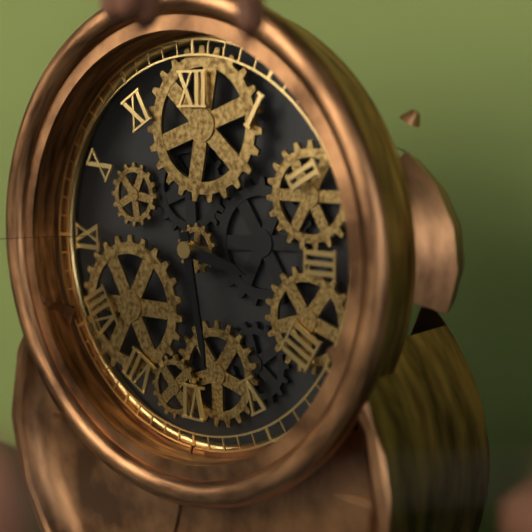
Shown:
3:28
